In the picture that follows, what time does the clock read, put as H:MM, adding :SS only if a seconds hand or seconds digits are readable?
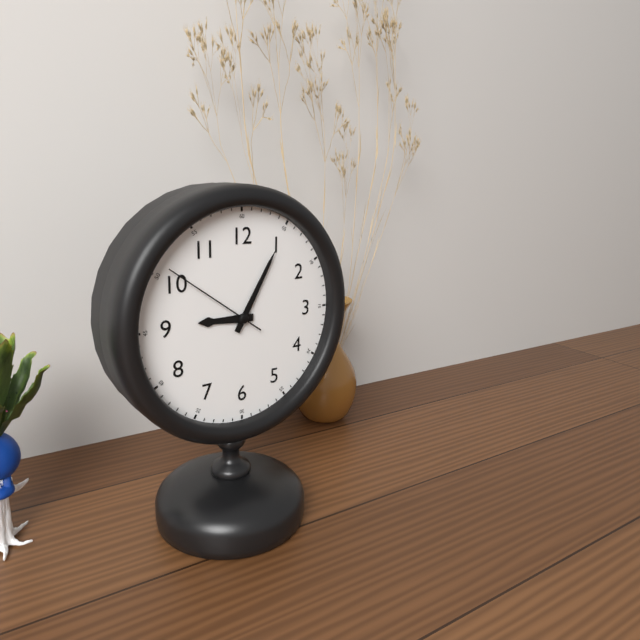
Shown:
9:05:51
